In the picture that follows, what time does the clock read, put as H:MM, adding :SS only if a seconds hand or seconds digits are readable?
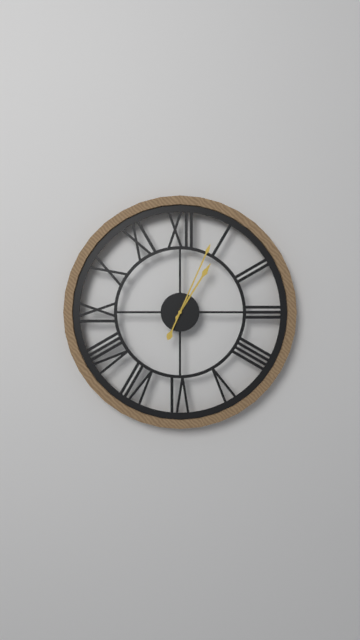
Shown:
1:04
